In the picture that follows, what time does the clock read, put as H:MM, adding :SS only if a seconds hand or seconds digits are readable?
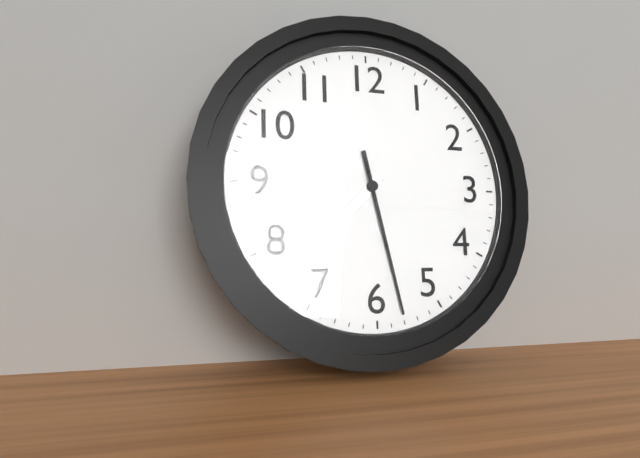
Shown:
7:28
